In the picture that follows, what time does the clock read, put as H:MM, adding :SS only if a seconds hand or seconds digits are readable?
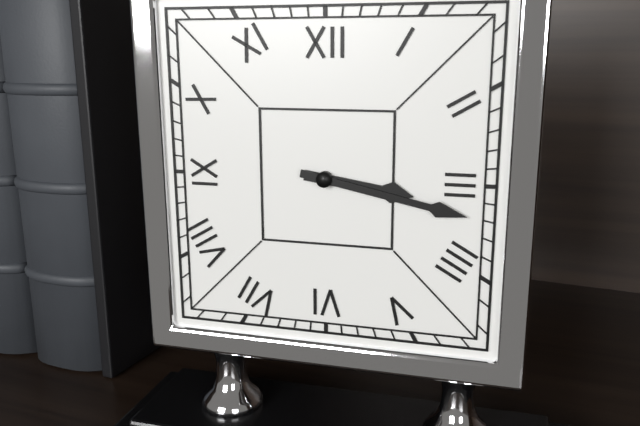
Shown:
3:17
